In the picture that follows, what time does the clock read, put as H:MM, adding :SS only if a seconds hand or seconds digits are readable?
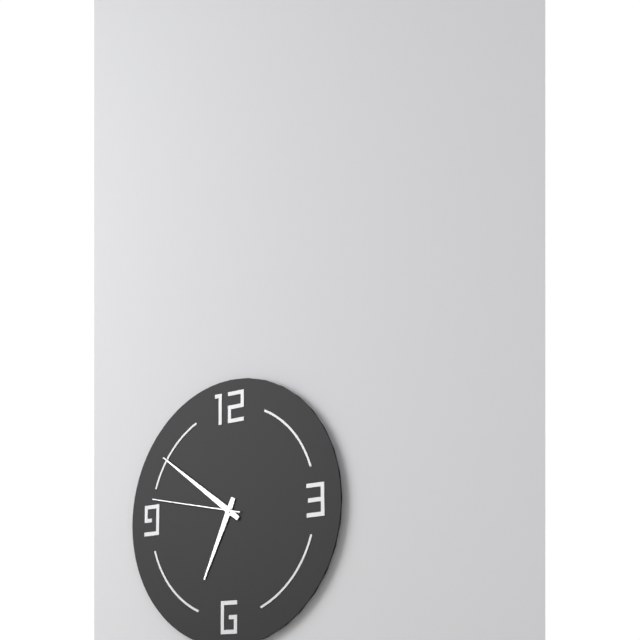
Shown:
6:51:47
